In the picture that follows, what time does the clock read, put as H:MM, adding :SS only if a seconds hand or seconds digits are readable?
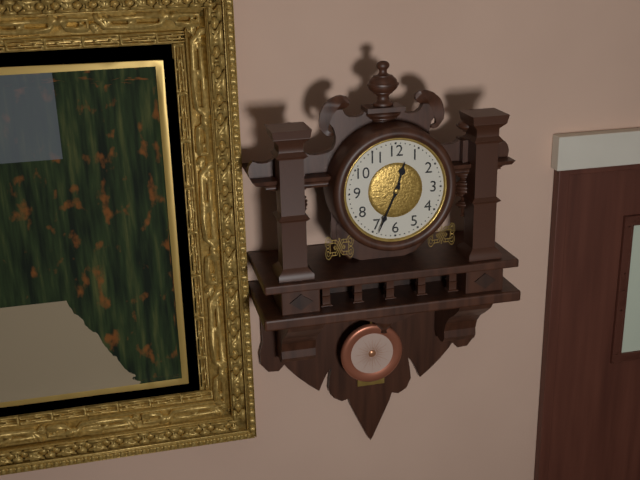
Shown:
12:34
